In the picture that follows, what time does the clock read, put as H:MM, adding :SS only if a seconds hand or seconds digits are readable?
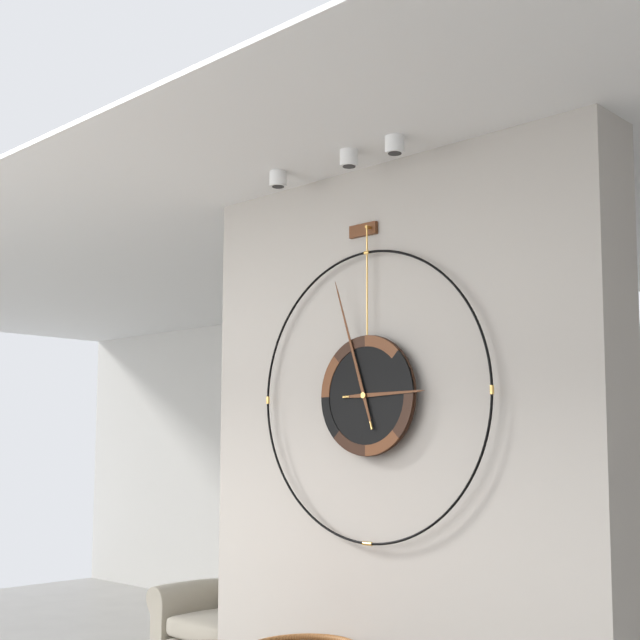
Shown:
2:57
